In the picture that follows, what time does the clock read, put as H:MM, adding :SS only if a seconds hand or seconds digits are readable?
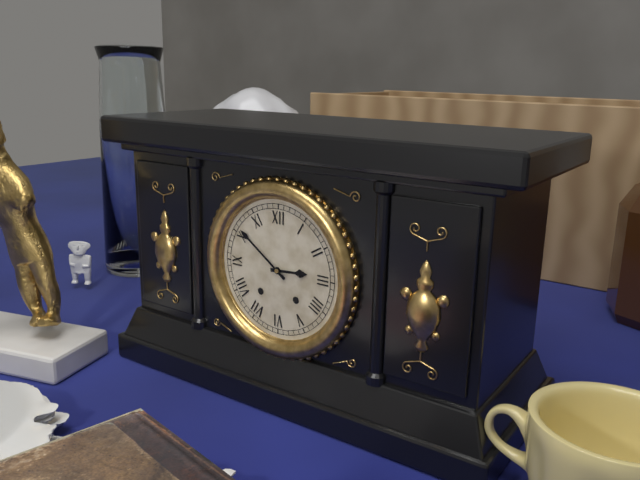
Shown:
2:51
